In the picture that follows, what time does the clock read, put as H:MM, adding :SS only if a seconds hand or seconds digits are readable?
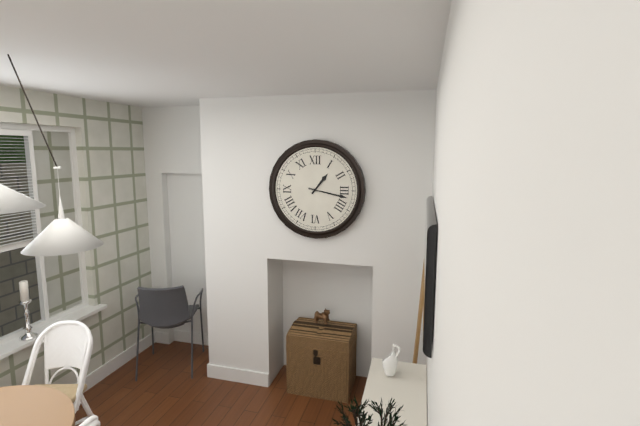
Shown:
1:17
